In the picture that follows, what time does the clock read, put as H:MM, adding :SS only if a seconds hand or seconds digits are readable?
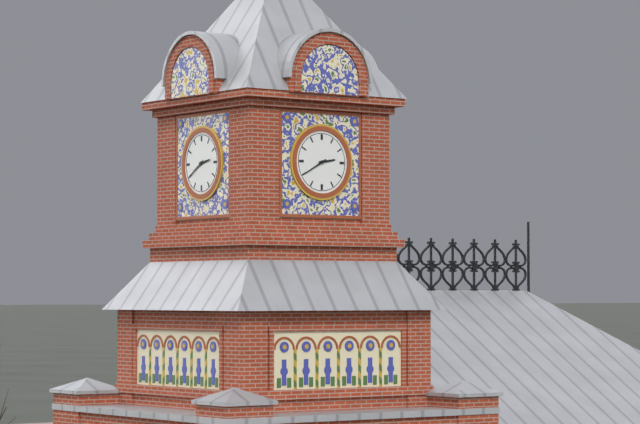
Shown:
2:40
